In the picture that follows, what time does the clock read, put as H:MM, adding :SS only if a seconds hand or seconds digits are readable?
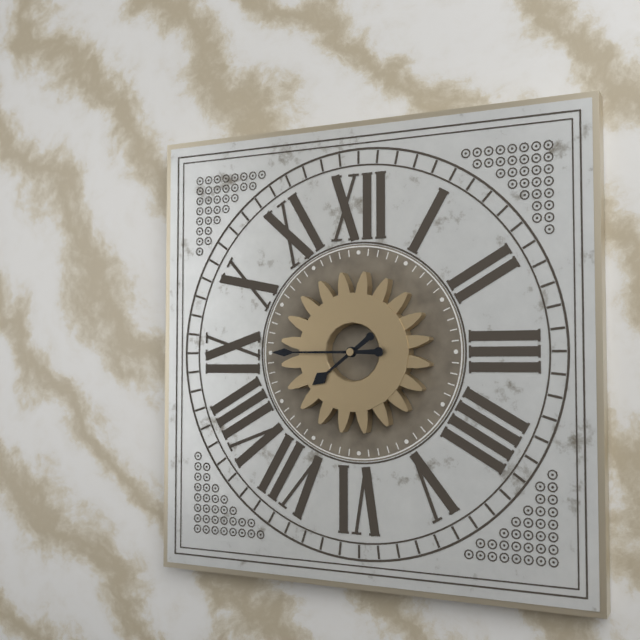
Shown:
7:45
